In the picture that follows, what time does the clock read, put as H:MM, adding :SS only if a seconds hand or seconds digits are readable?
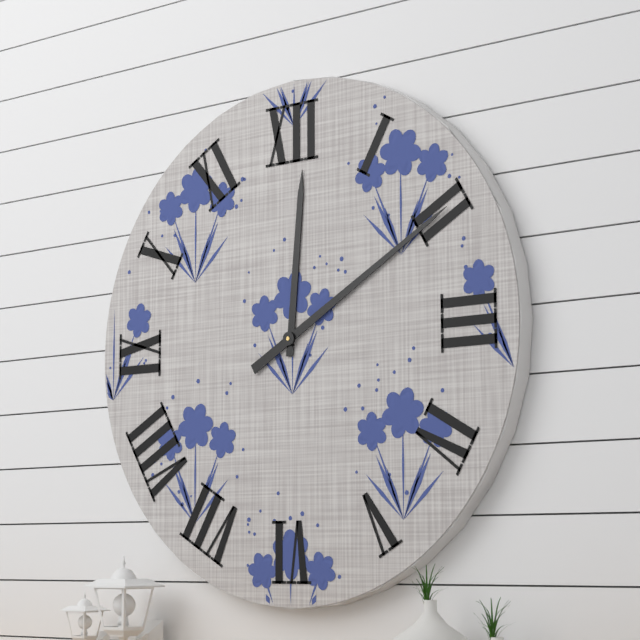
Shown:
12:10
